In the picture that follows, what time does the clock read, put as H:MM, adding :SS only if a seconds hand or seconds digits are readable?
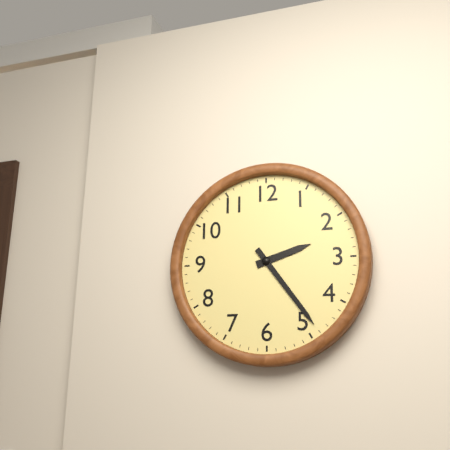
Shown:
2:24
